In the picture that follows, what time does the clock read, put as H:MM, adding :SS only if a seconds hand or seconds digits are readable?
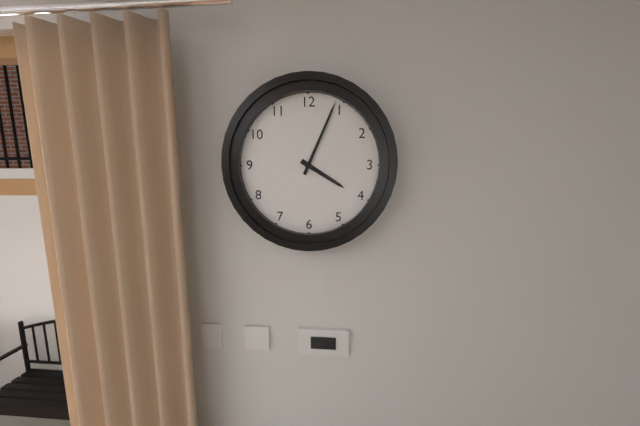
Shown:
4:04
